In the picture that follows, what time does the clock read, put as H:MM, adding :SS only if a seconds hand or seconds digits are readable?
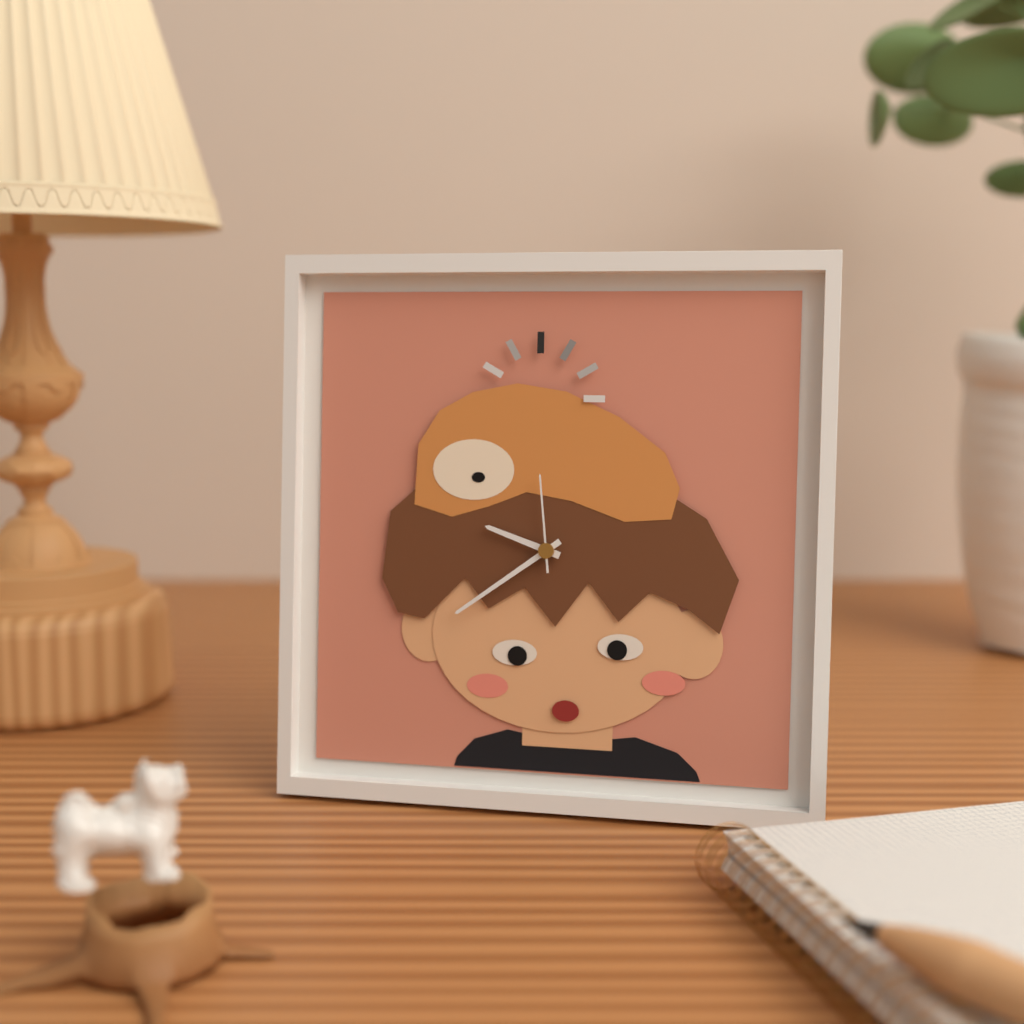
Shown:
9:39:59
